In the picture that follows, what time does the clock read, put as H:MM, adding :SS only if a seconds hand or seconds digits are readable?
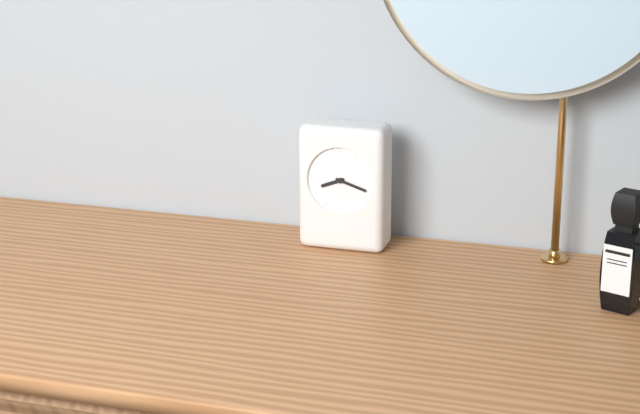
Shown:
8:18
